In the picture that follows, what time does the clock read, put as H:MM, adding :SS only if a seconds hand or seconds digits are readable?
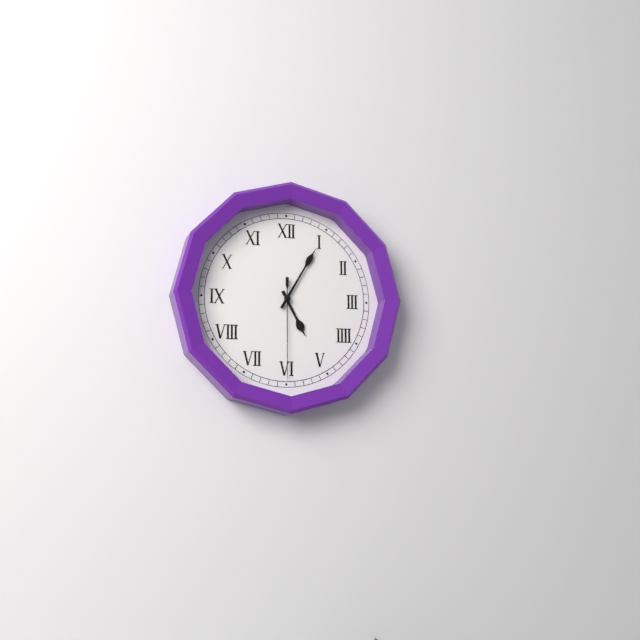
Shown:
5:05:30
